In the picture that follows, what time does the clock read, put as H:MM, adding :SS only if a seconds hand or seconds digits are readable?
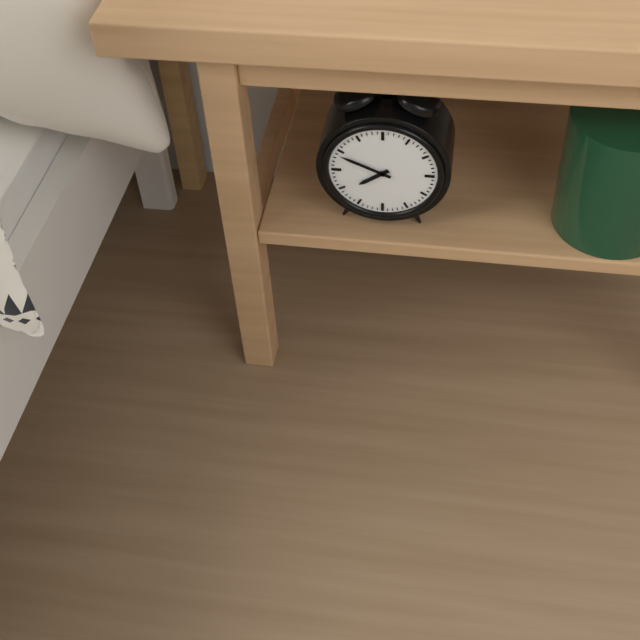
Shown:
7:49
